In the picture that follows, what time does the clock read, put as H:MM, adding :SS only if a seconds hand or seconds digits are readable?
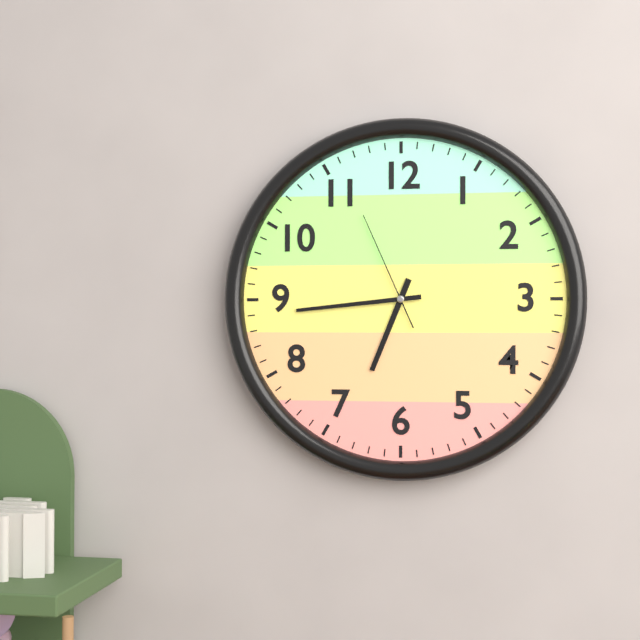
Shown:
6:44:56
